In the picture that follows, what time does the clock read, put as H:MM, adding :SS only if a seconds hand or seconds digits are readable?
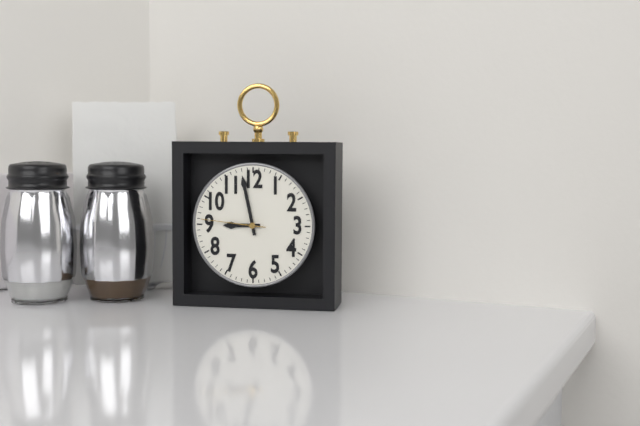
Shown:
8:58:46
